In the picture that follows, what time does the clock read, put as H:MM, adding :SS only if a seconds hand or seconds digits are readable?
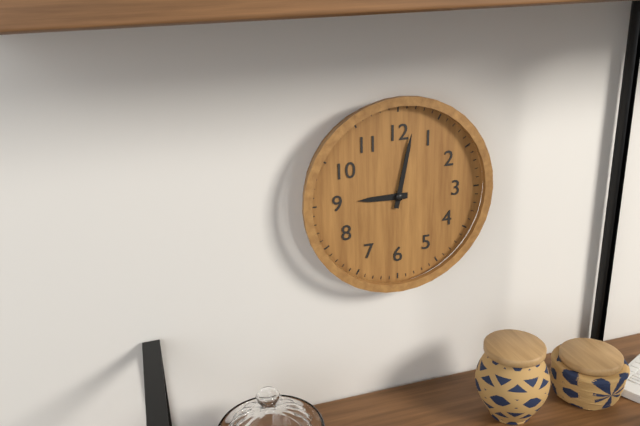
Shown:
9:02
